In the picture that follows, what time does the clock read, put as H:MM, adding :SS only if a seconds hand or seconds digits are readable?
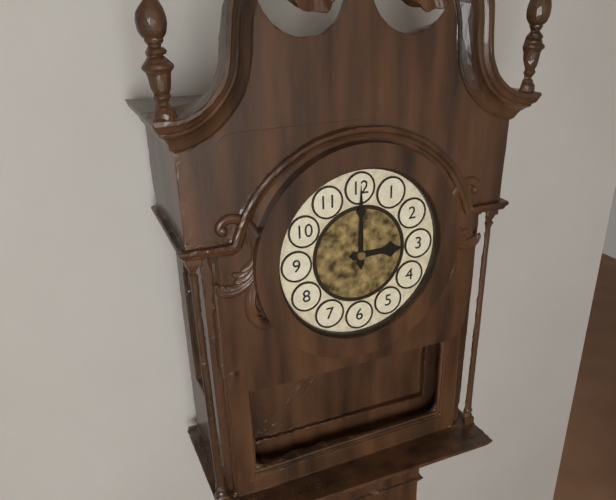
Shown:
3:00
